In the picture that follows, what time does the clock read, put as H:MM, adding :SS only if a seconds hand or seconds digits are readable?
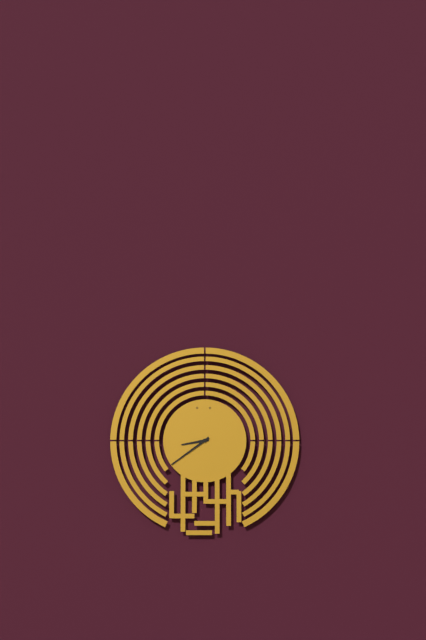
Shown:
8:39
